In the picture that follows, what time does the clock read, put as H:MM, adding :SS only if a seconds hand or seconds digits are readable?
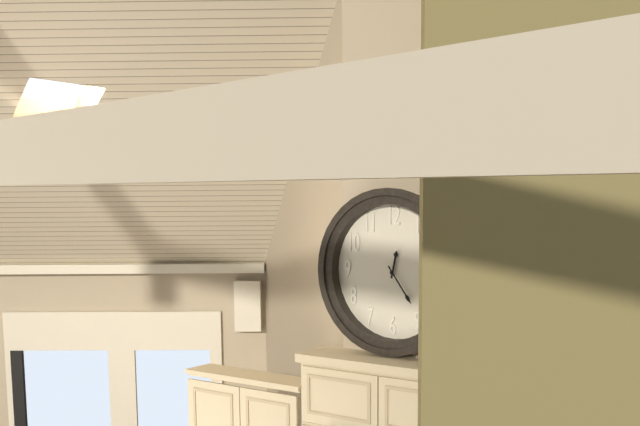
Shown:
12:24
